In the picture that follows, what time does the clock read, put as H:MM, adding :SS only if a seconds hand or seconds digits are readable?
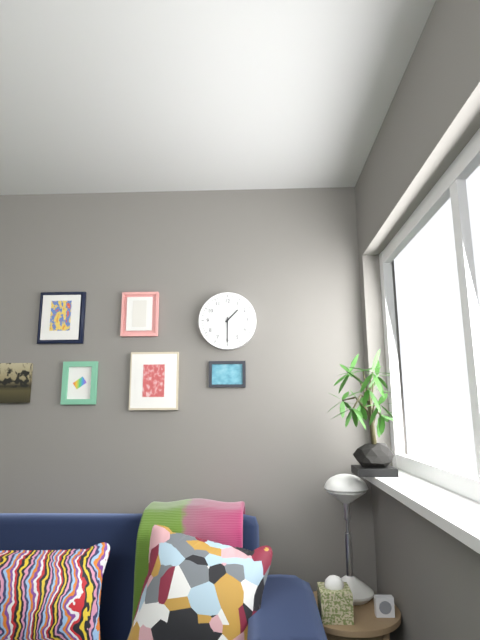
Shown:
1:30
